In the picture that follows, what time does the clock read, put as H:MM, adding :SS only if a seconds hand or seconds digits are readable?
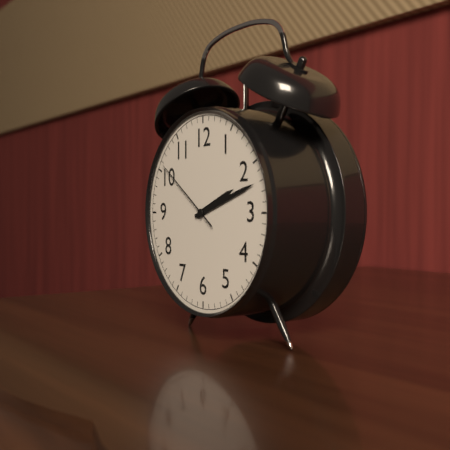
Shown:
2:12:51
